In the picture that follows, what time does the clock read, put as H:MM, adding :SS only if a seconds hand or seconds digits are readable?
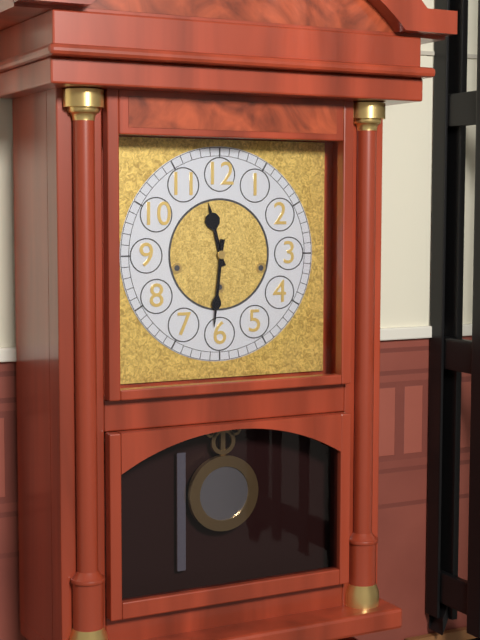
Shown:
11:31
